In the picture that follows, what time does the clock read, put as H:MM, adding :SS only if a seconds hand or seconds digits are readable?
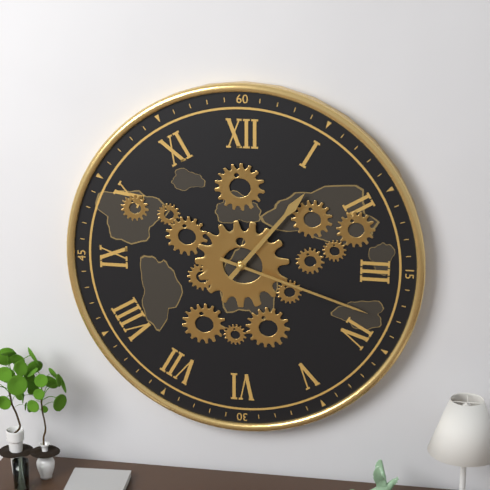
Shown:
1:18
